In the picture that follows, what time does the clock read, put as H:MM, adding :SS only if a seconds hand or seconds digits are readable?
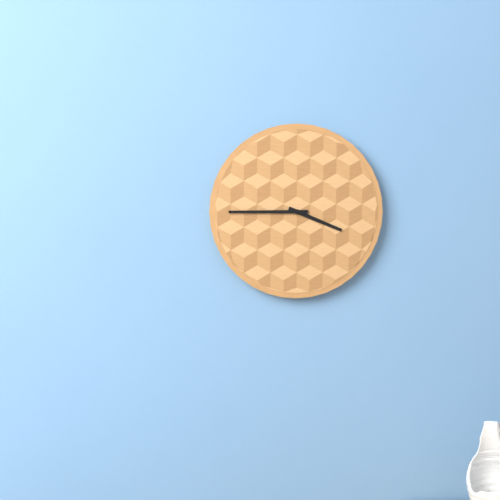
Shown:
3:45
